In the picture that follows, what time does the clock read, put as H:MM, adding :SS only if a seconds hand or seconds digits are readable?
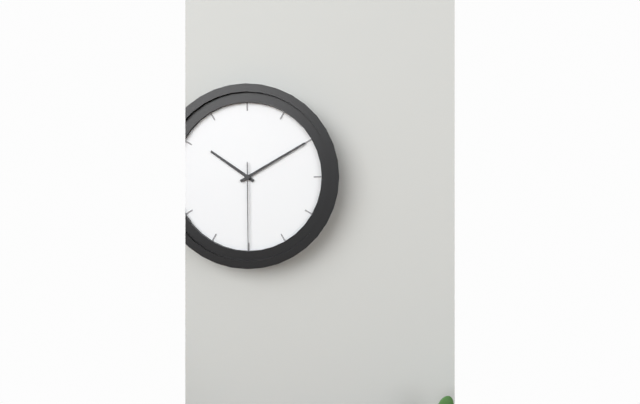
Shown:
10:10:30
